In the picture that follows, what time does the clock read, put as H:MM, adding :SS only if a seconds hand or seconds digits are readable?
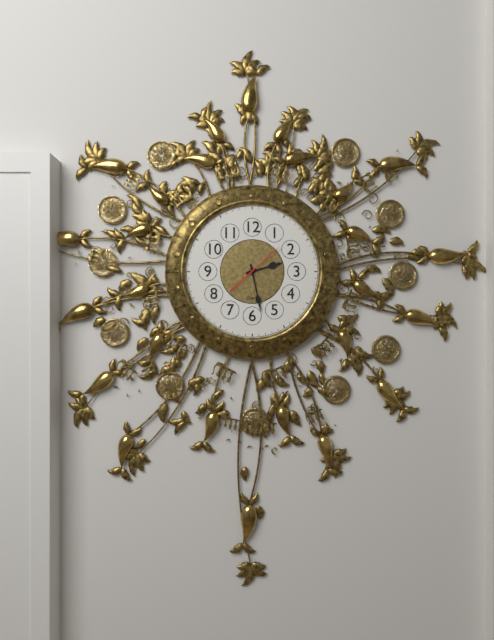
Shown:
2:28
